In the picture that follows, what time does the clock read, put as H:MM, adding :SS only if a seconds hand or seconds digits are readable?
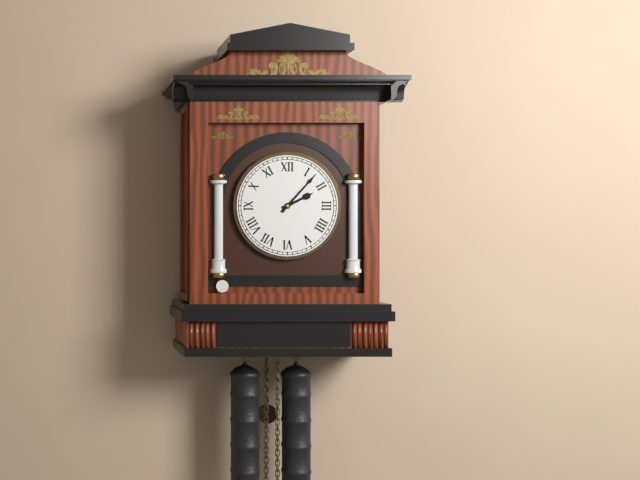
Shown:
2:07
